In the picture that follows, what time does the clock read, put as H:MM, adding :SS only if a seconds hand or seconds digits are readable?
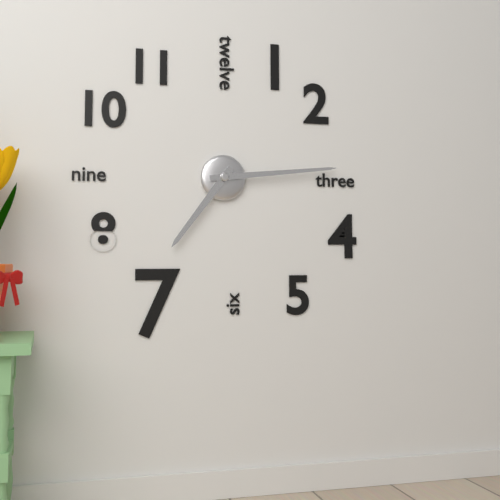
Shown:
7:14
